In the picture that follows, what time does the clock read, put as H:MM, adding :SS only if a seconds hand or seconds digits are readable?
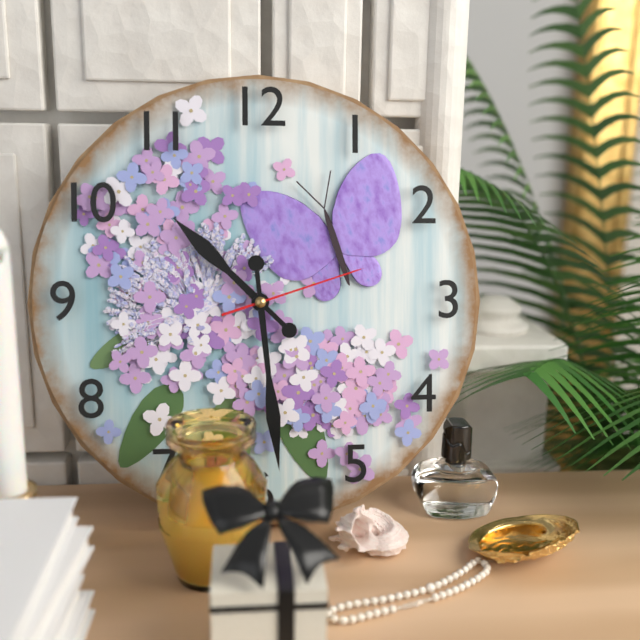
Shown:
10:29:12
